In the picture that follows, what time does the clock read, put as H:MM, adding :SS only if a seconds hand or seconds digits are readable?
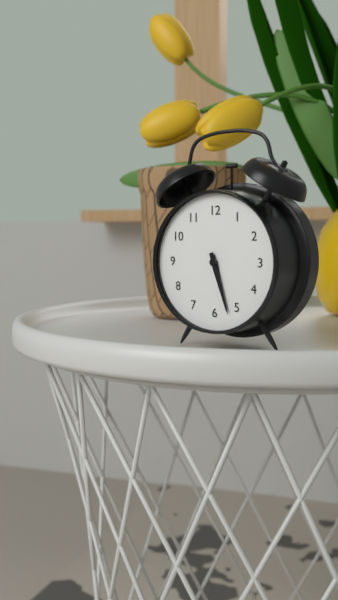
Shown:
5:27
